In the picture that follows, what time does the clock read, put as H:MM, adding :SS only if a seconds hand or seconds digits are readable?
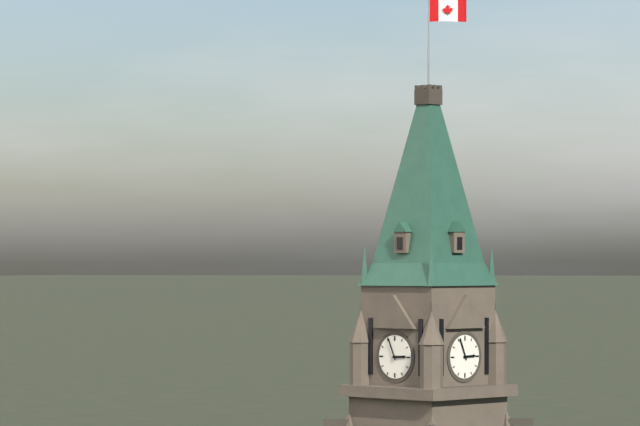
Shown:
2:56
